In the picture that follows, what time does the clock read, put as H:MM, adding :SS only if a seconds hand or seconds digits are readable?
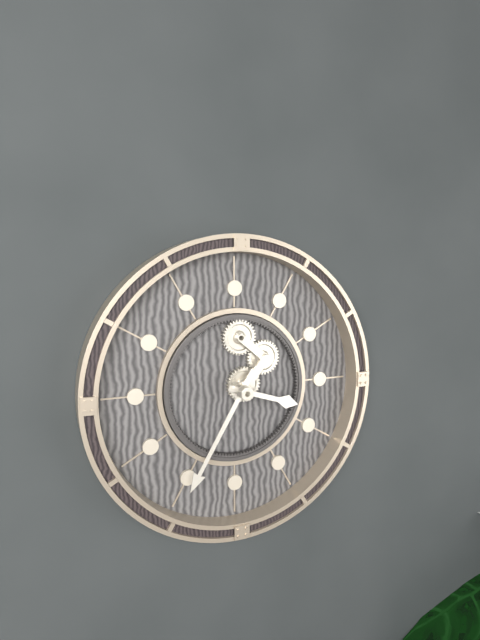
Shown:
3:35
